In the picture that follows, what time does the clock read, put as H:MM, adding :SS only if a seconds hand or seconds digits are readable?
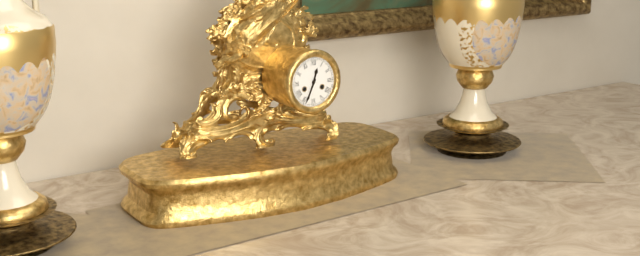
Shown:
12:34
